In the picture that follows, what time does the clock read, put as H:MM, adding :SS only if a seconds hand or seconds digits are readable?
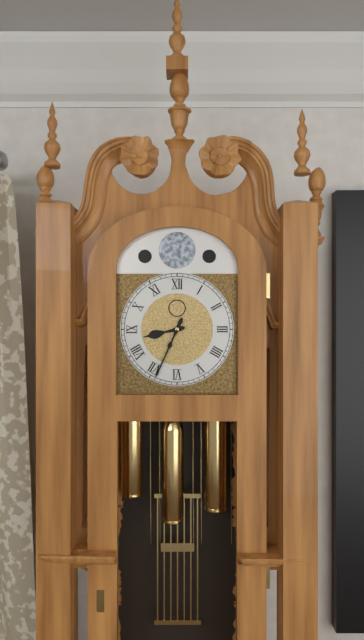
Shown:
8:34
